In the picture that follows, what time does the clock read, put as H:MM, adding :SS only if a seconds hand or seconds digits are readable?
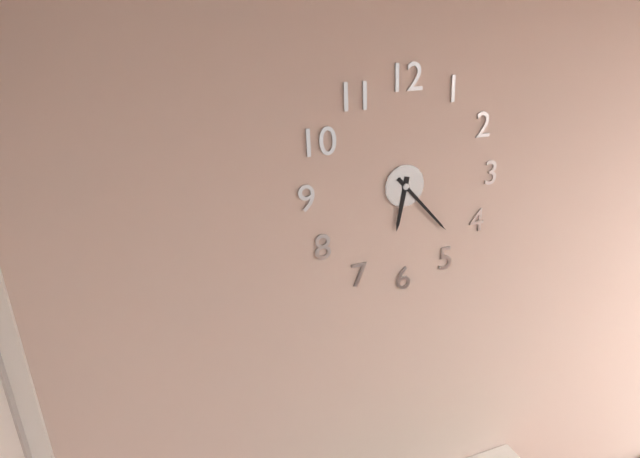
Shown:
6:23
